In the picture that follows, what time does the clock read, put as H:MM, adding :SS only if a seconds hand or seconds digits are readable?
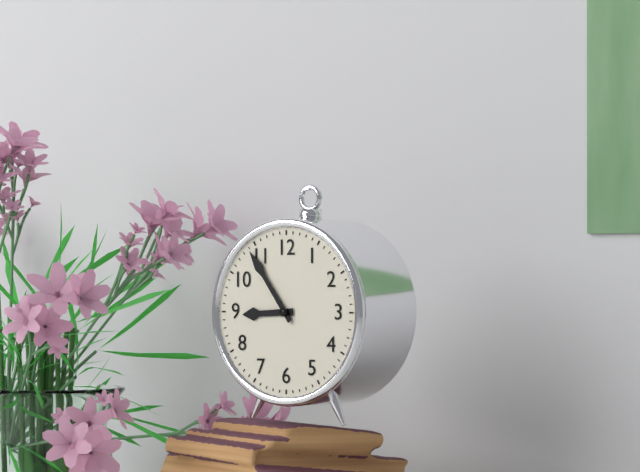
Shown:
8:54
